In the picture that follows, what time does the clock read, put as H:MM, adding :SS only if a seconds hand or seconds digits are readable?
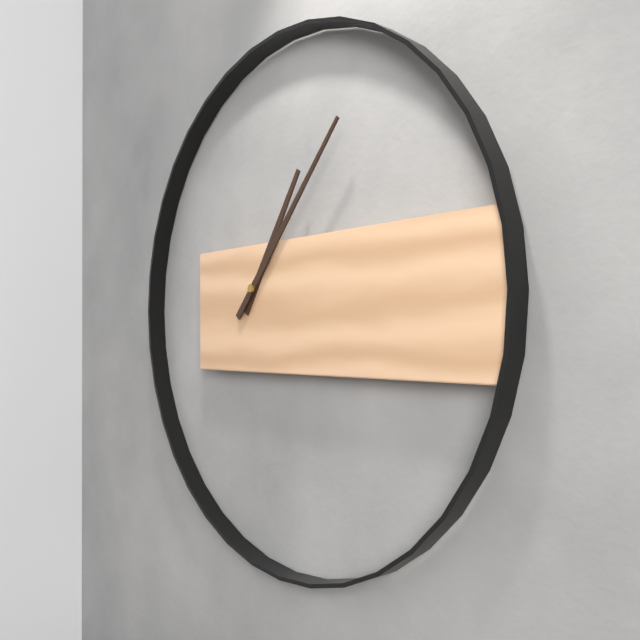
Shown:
1:07
